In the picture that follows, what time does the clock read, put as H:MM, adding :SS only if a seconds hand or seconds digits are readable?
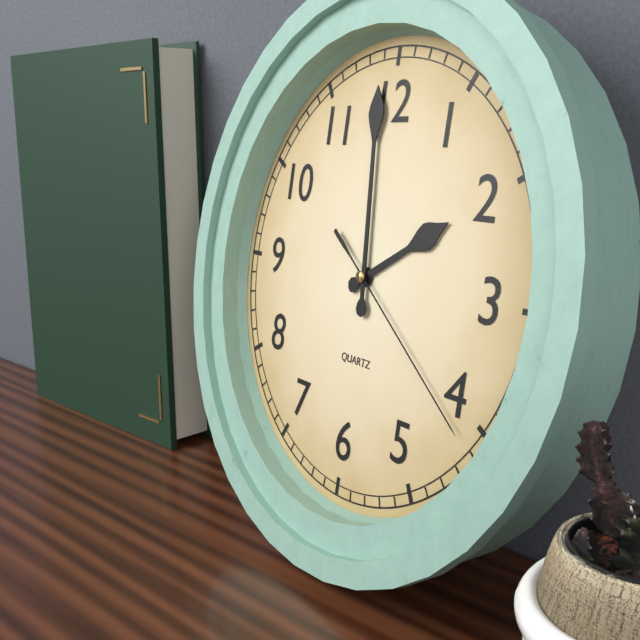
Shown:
1:59:21
